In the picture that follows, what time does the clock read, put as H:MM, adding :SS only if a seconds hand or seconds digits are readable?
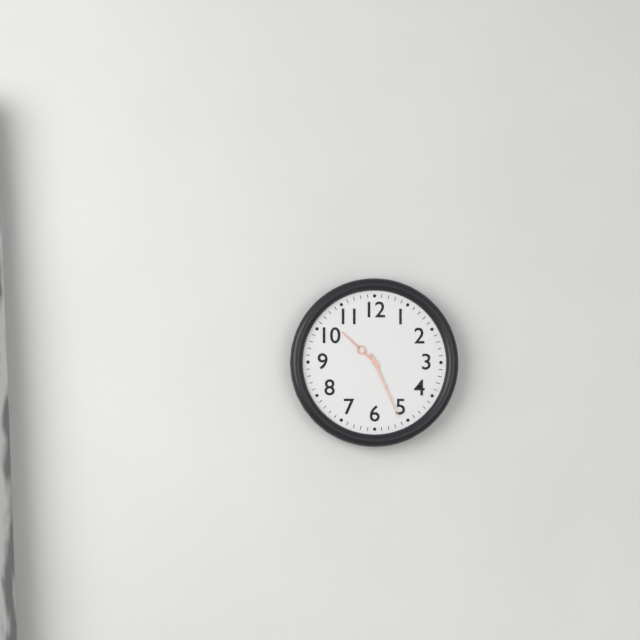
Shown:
10:26
